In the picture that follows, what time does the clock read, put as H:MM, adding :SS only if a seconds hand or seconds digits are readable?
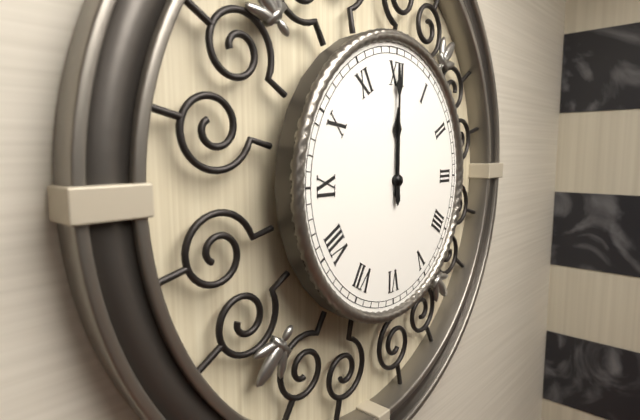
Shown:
12:00
